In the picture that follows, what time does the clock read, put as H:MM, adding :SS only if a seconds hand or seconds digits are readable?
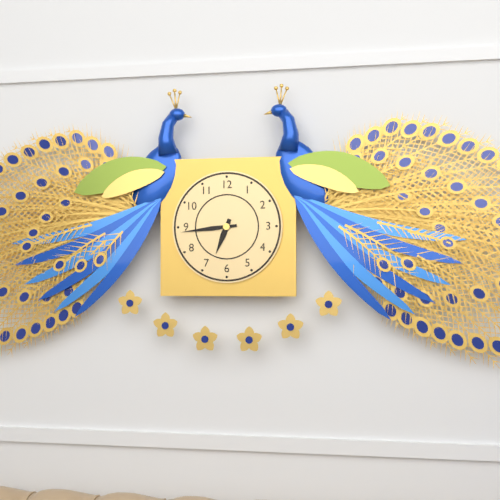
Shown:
6:44
